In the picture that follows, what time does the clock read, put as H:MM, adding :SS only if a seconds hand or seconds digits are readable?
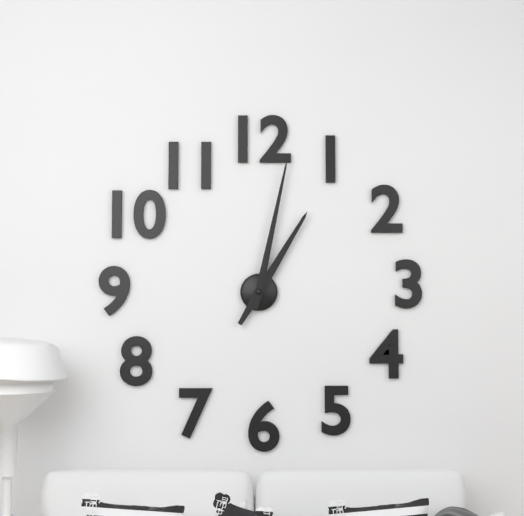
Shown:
1:02
